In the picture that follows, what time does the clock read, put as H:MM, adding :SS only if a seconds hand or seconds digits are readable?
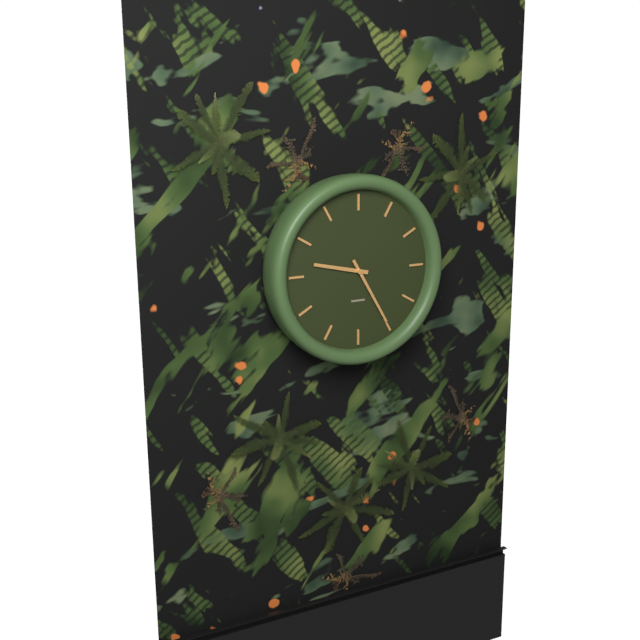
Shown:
9:25
